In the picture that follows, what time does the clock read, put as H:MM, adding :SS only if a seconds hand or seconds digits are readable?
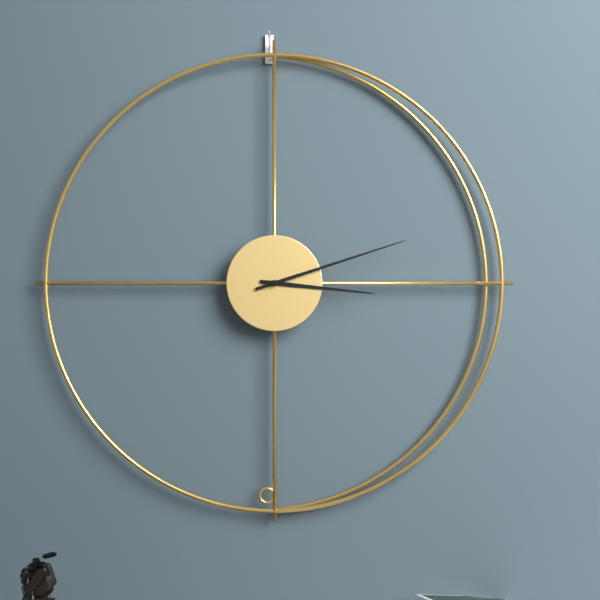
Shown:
3:12
